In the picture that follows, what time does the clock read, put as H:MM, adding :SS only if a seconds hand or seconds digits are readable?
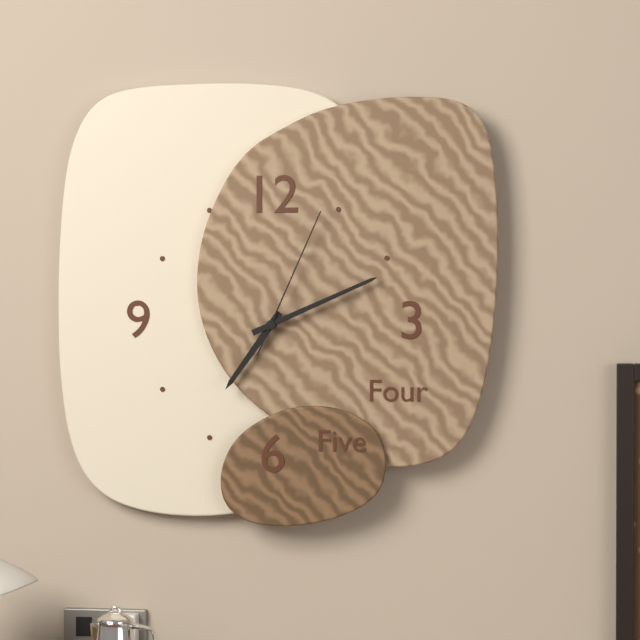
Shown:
7:11:04
